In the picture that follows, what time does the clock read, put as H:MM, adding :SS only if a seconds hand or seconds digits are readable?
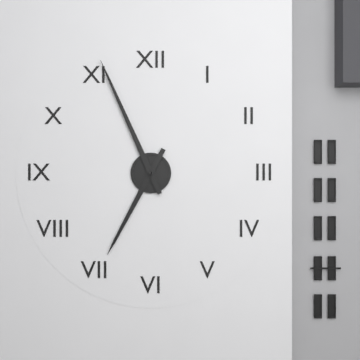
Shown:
6:56
